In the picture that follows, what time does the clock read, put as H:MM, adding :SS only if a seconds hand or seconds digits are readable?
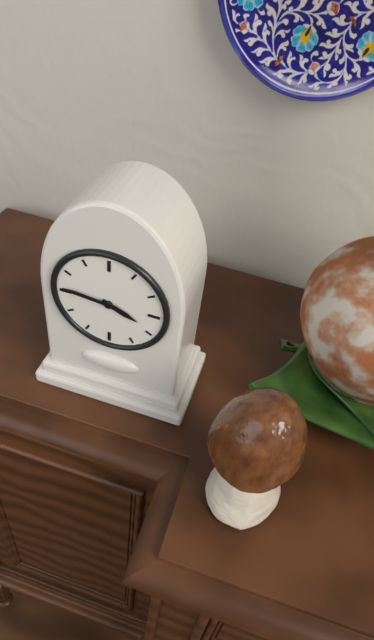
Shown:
3:46
